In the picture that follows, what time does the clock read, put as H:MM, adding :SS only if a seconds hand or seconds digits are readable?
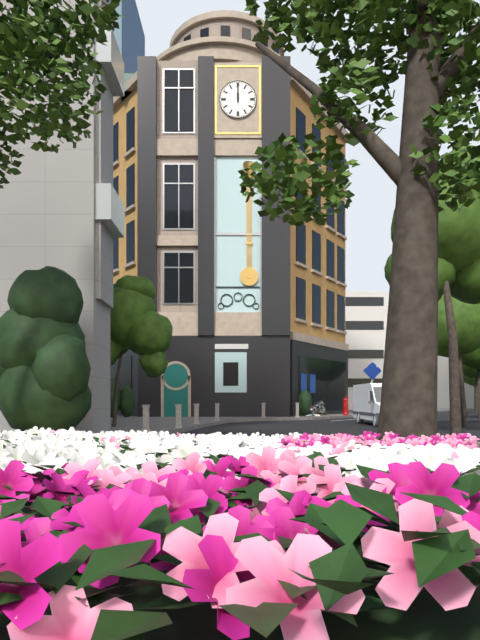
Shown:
12:00
